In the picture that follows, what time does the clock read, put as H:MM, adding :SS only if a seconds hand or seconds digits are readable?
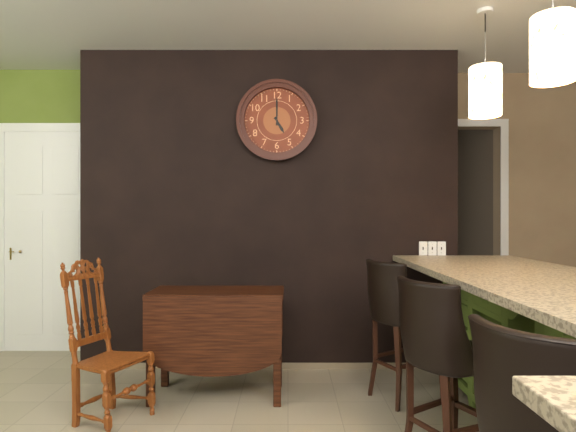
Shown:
5:00
